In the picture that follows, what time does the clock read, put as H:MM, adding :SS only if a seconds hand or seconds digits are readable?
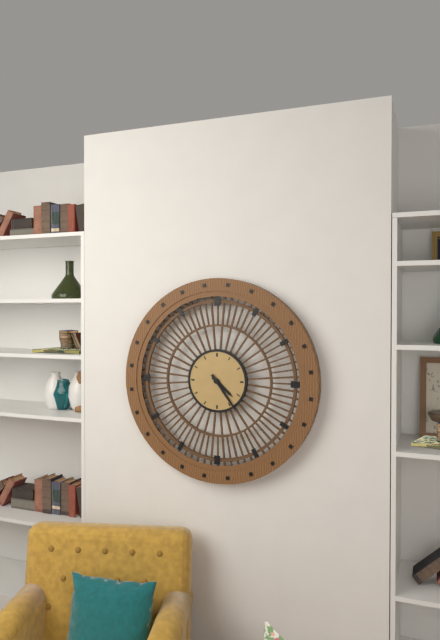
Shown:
4:24
